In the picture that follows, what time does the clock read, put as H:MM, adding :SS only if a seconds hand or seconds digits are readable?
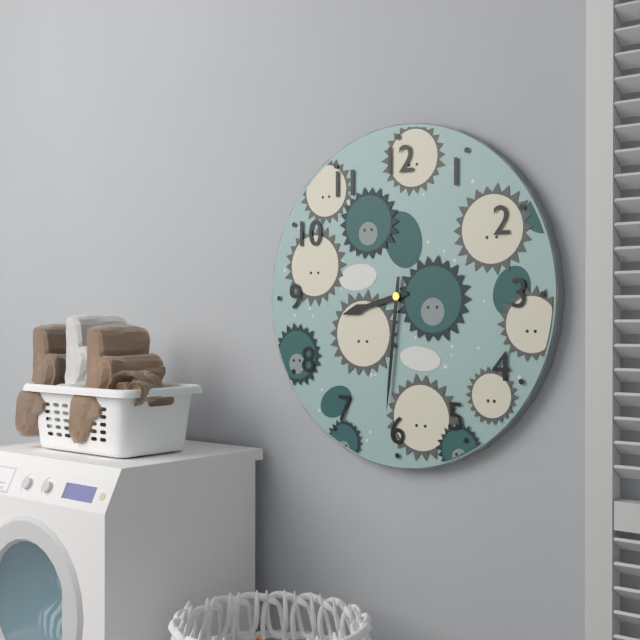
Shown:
8:31
